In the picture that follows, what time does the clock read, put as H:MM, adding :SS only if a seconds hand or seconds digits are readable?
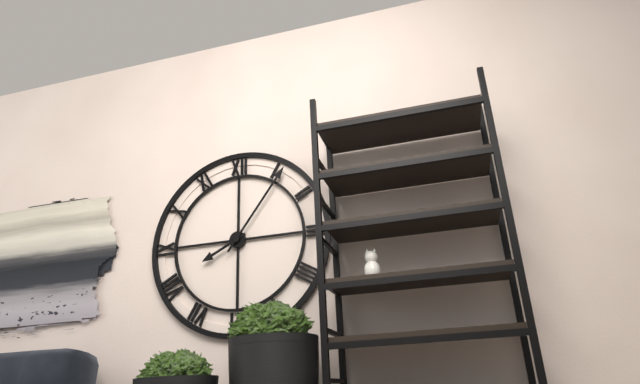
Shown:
8:06
